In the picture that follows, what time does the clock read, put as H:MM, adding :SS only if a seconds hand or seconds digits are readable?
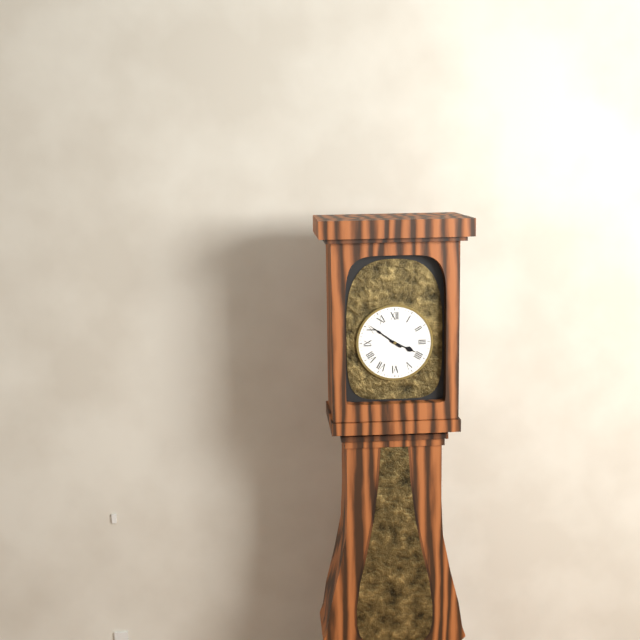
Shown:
3:51
